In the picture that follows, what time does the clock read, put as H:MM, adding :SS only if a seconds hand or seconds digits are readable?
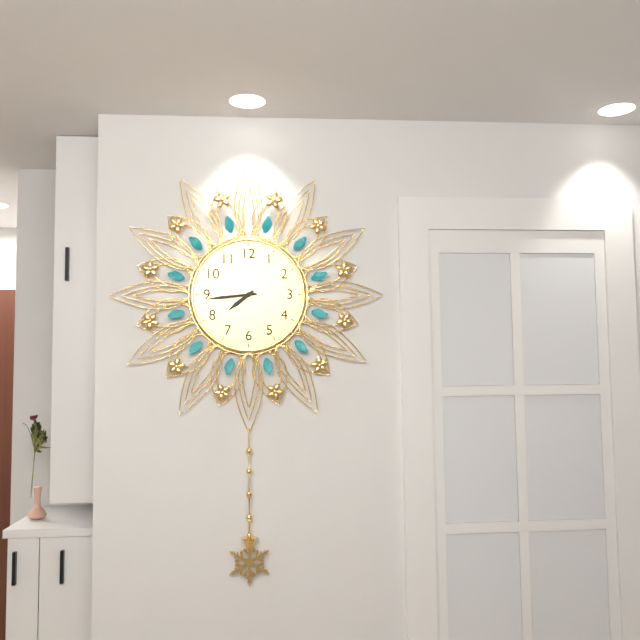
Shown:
7:44
